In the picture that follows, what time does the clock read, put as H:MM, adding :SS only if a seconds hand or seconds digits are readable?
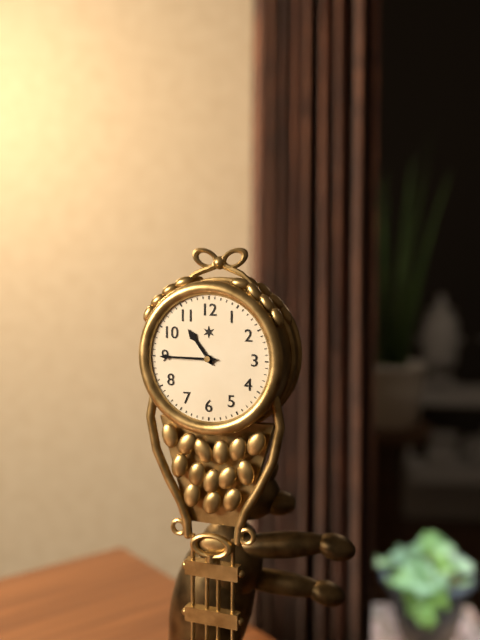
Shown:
10:45
